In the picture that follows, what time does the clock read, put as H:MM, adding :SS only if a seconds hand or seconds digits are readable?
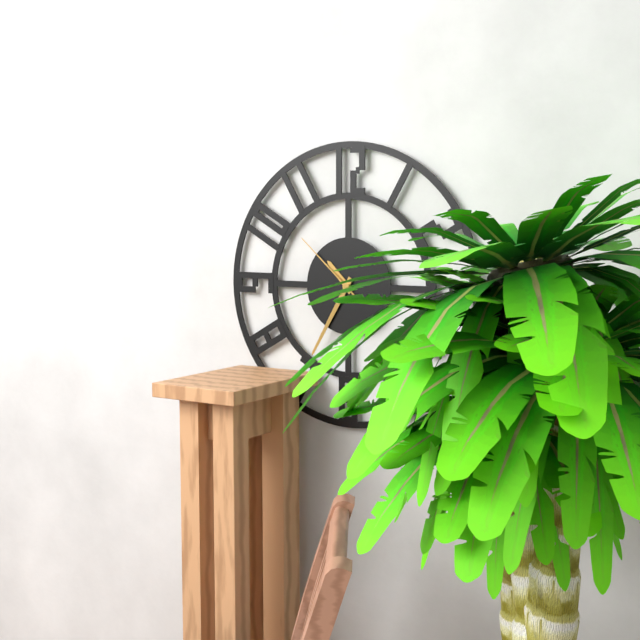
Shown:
10:35:52
